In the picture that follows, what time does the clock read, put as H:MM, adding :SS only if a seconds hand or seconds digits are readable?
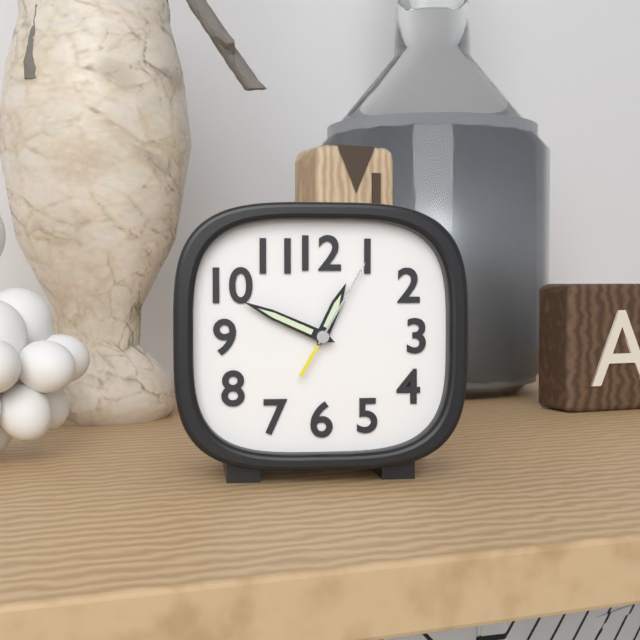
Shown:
12:49:05
